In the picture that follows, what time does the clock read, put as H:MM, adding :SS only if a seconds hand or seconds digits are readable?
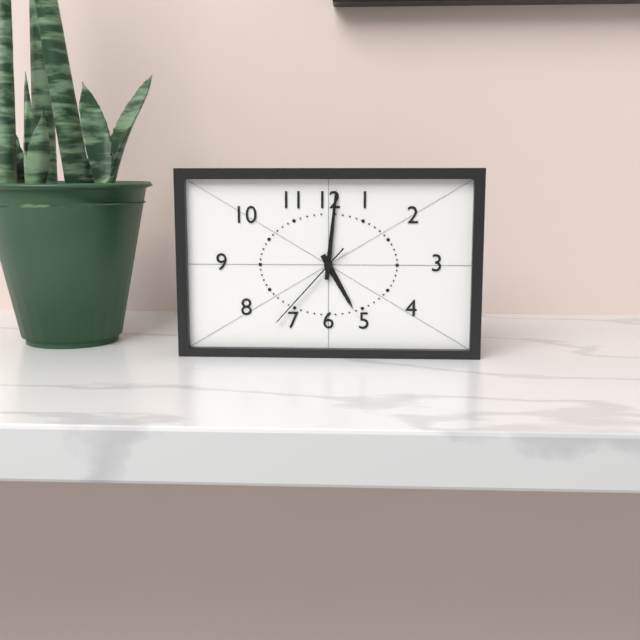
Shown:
5:01:37
